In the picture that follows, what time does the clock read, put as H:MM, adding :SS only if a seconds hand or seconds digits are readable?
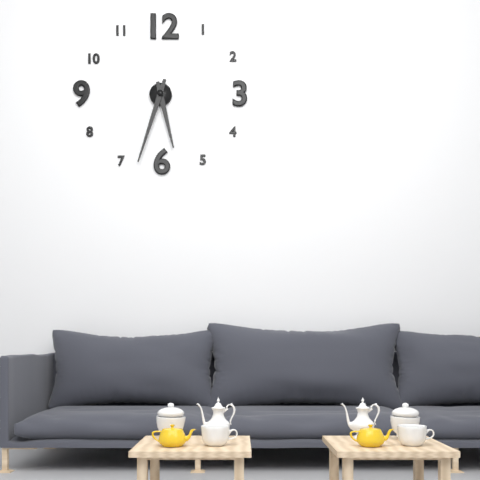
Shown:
5:33
